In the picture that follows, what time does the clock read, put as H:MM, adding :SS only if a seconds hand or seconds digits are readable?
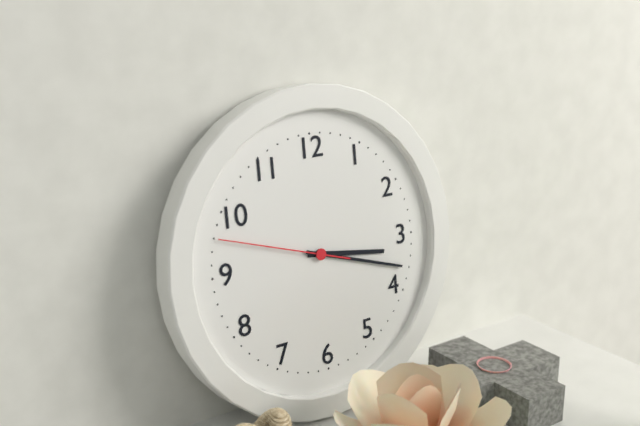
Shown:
3:18:48
